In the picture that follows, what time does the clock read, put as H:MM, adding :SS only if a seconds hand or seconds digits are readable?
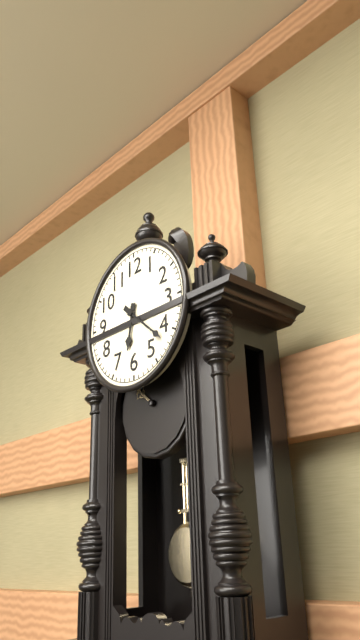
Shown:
6:22
